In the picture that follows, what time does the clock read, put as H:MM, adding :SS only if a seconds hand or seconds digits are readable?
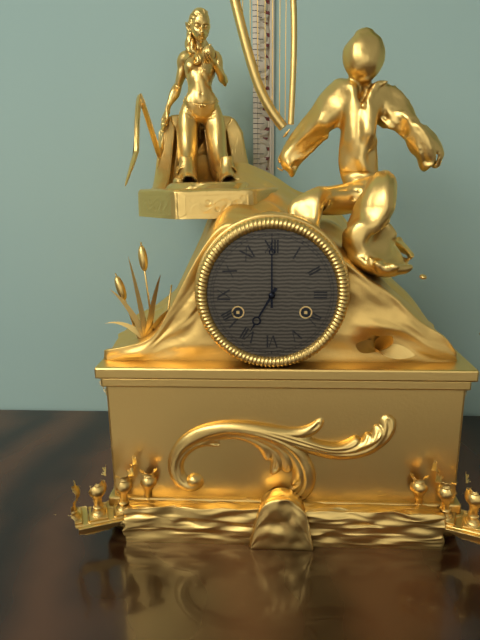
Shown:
7:00
